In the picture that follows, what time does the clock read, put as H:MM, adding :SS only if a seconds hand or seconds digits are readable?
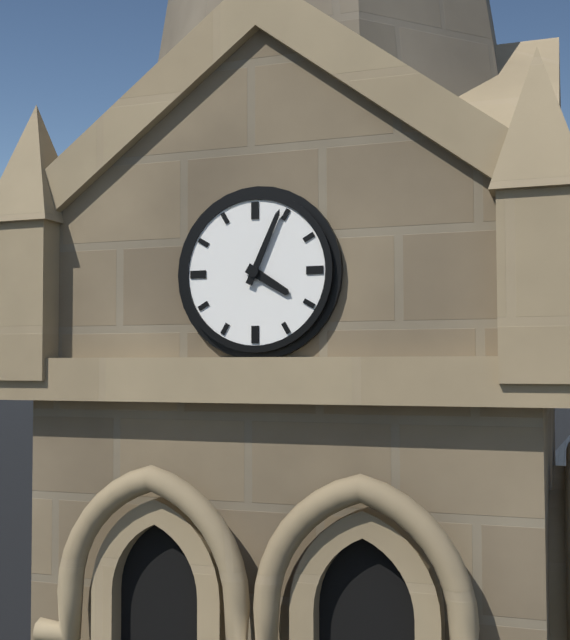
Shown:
4:04
